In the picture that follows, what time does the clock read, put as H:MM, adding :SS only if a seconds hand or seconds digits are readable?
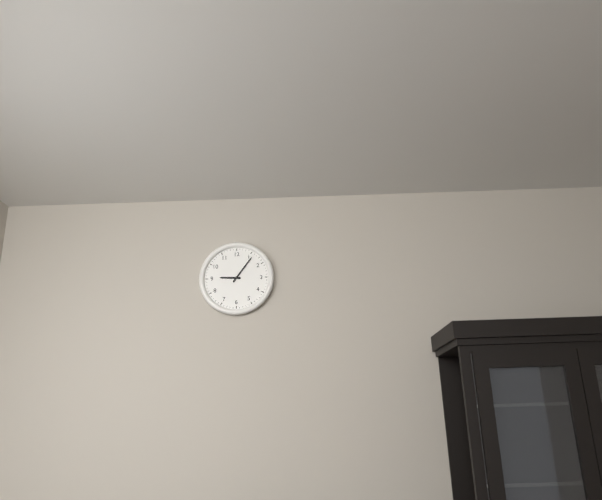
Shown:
9:06
